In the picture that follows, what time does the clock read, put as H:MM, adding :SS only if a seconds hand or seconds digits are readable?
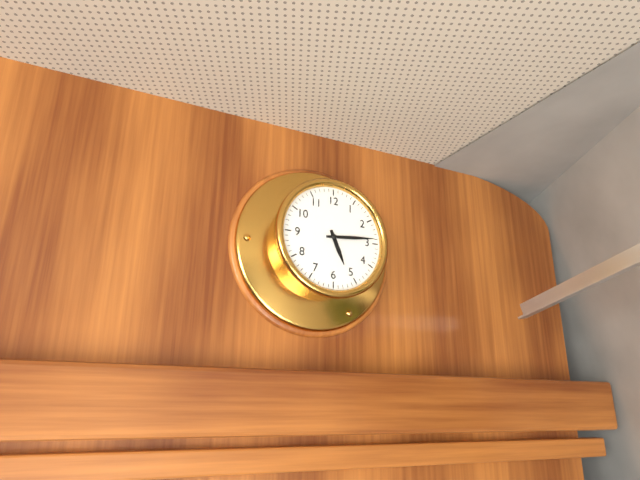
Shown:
5:14
